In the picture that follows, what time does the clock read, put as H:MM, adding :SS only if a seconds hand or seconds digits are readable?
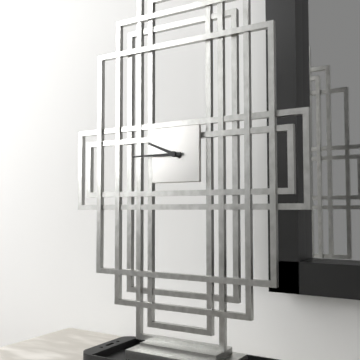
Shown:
9:45
